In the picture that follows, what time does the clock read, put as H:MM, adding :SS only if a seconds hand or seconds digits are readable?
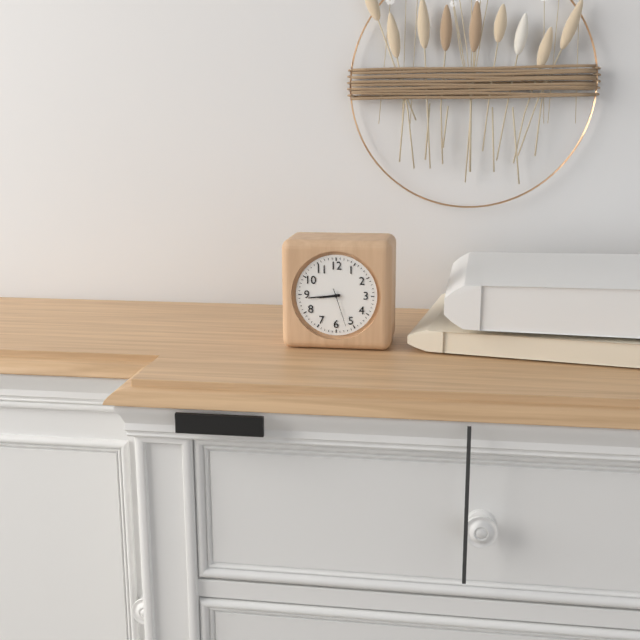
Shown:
8:44
